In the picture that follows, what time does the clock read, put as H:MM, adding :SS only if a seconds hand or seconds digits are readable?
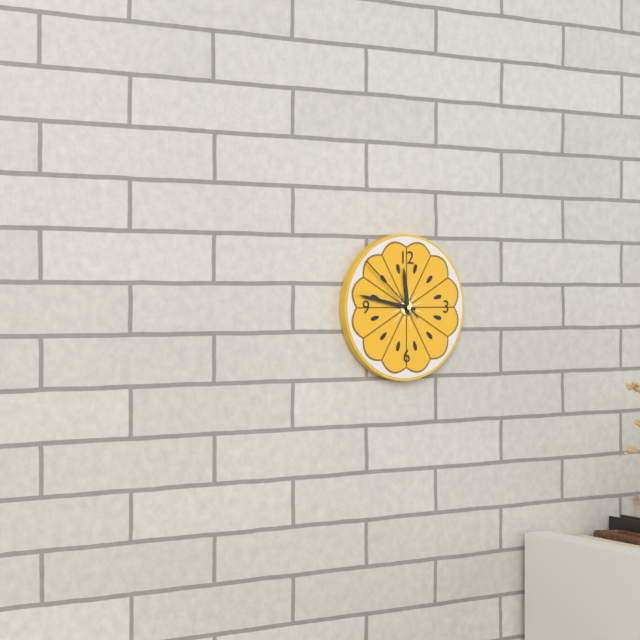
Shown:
11:47:52
